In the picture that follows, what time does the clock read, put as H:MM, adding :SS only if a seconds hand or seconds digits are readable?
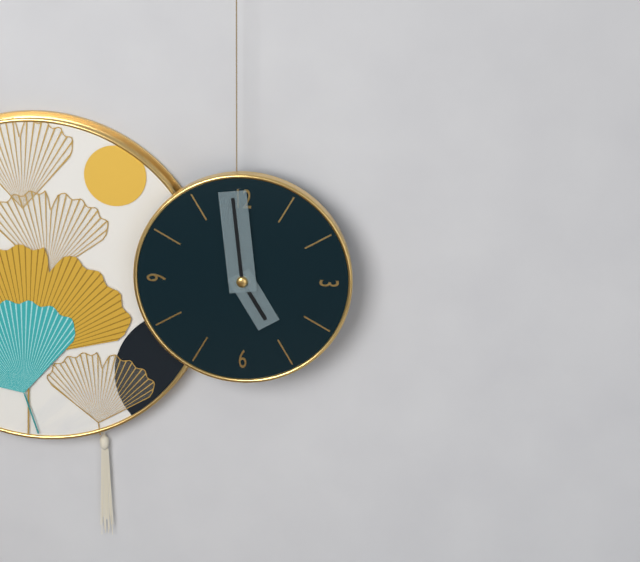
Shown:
4:59
